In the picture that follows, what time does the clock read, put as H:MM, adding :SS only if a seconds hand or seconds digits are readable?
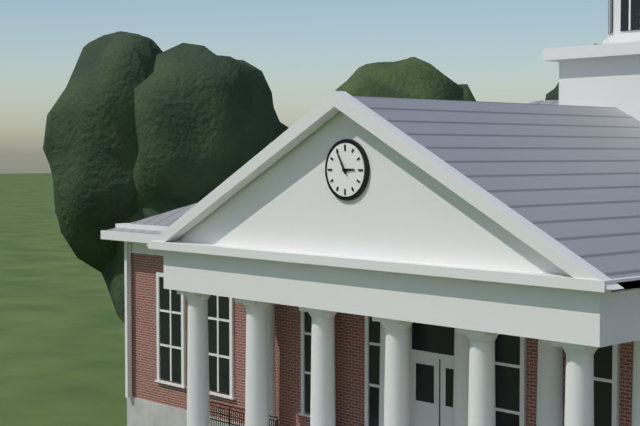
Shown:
2:55
